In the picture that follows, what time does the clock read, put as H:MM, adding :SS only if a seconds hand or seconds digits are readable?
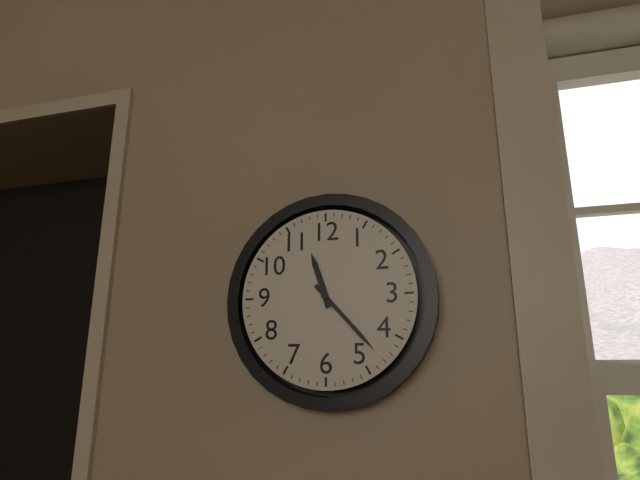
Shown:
11:23
